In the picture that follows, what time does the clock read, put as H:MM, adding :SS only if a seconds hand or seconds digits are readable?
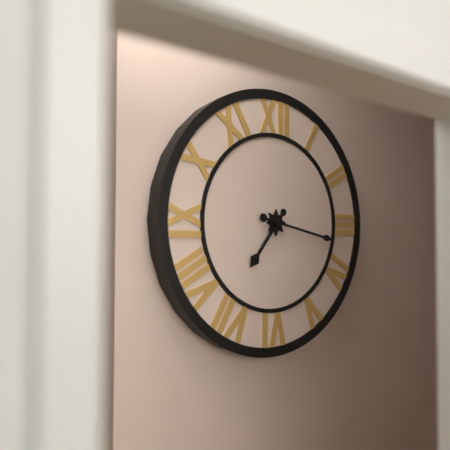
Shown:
7:17
